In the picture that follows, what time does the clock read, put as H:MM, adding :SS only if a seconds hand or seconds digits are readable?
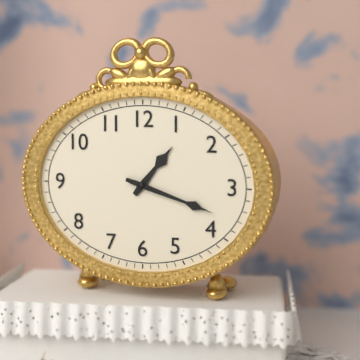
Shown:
1:18
